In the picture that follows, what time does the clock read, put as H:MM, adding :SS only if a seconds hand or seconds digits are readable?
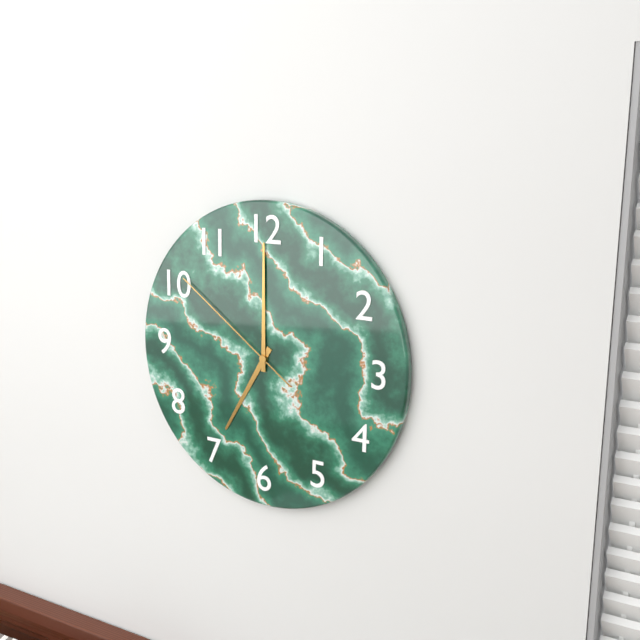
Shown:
7:00:51
